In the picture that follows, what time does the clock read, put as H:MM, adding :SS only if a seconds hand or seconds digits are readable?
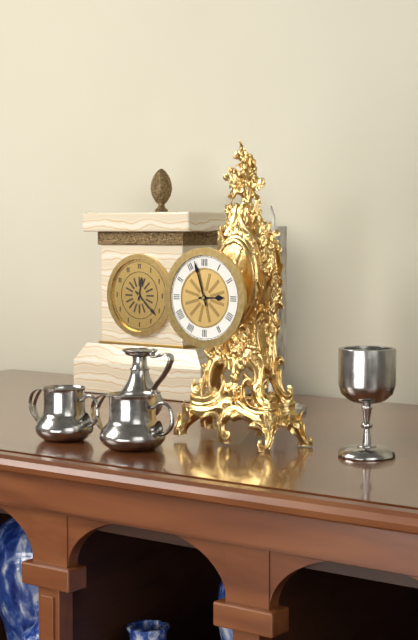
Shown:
2:57
